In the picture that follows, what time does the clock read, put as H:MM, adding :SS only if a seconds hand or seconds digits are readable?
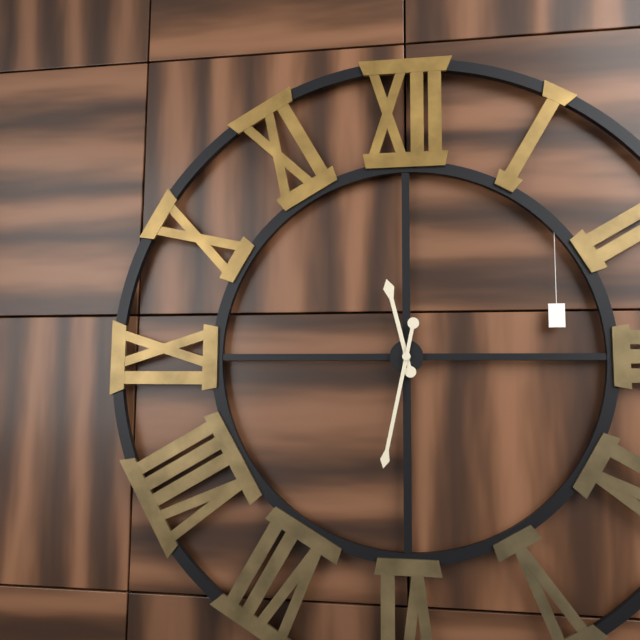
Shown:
11:32
